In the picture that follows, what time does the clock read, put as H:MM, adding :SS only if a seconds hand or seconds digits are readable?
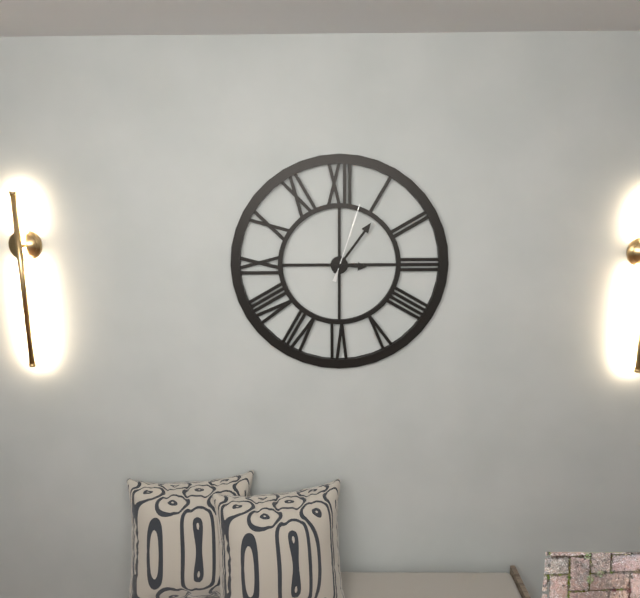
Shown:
3:06:03
